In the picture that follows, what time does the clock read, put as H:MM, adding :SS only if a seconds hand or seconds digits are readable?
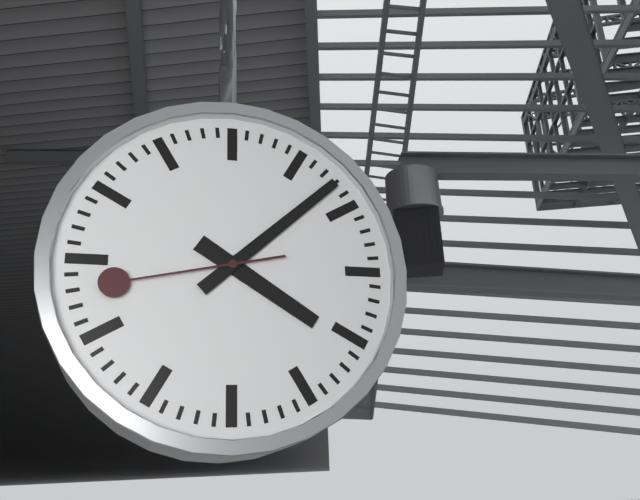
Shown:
4:08:43
